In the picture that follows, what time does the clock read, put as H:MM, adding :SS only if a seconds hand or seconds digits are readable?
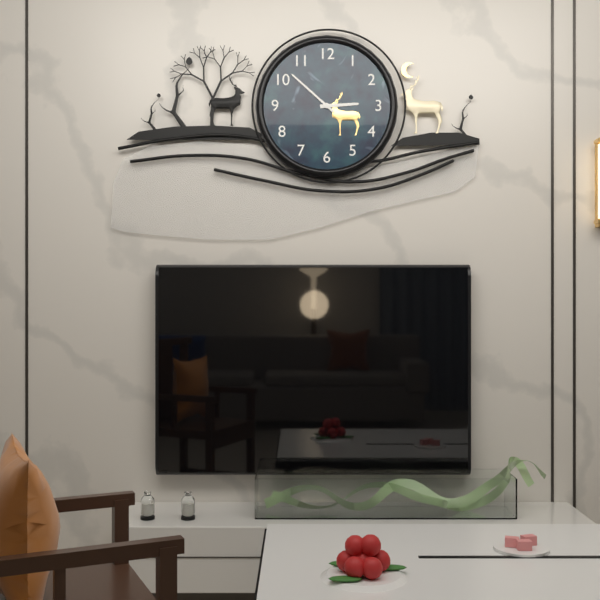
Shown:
2:52
